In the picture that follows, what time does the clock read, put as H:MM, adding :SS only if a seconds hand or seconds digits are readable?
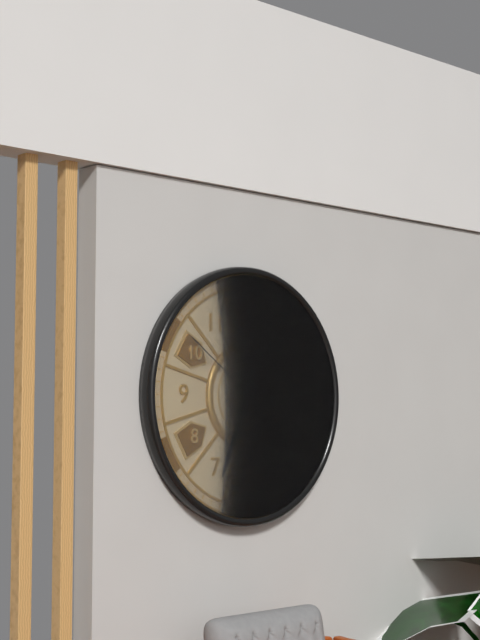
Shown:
12:34:51
